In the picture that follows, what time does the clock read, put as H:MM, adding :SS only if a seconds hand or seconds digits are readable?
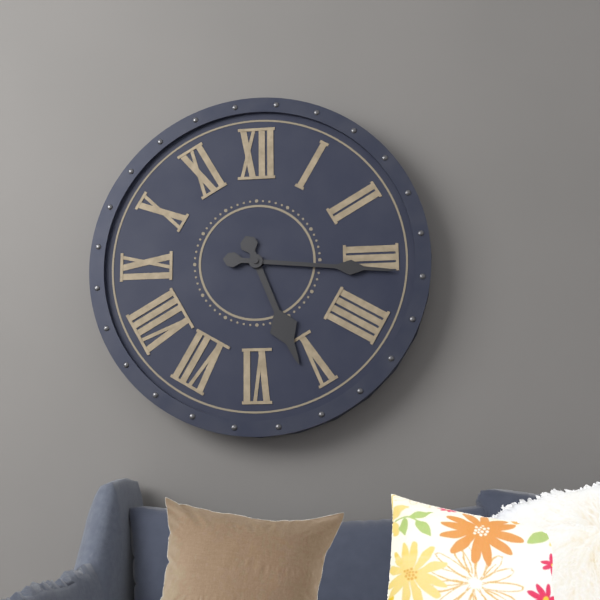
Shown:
5:16
